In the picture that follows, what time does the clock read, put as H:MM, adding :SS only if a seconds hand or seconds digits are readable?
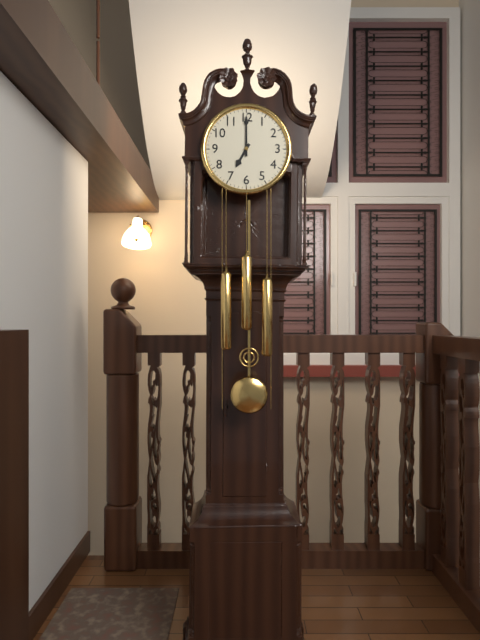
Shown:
7:00
